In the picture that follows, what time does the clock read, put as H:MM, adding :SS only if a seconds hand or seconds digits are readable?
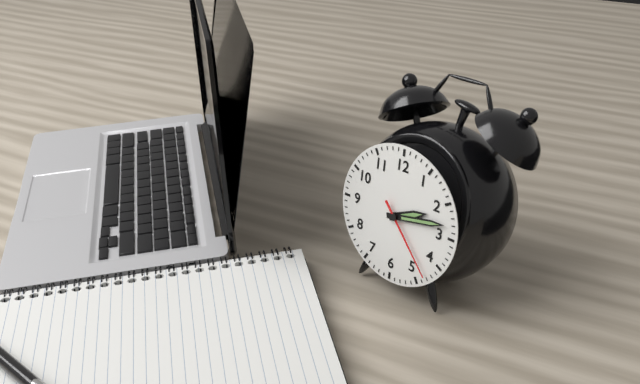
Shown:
2:13:23
